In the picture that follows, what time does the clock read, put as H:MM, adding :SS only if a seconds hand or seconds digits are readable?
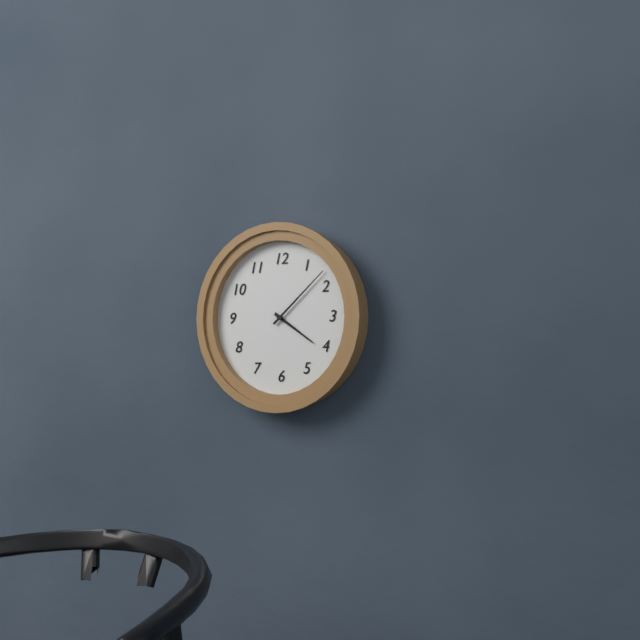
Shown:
4:08
